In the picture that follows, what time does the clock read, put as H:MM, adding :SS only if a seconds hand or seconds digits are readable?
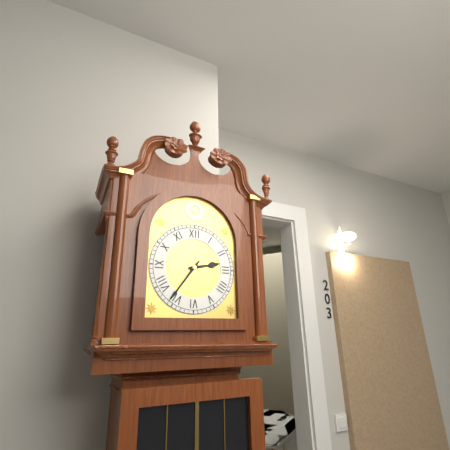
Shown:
2:36
